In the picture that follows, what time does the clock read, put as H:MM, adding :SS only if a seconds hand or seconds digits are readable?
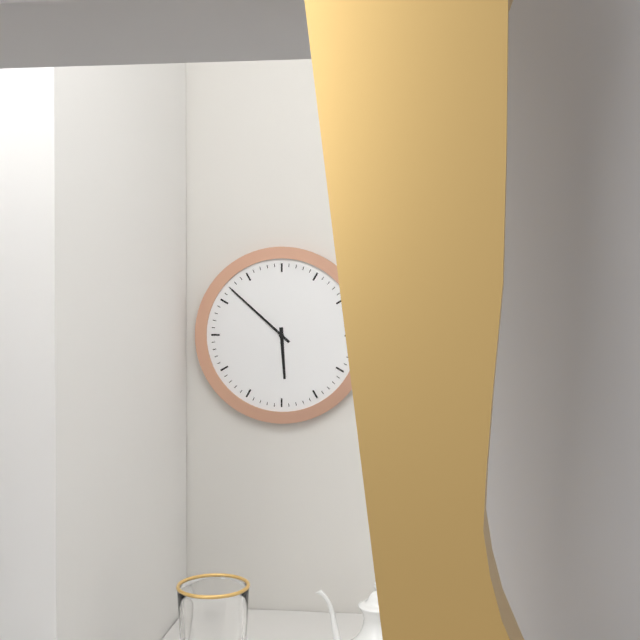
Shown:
5:52
